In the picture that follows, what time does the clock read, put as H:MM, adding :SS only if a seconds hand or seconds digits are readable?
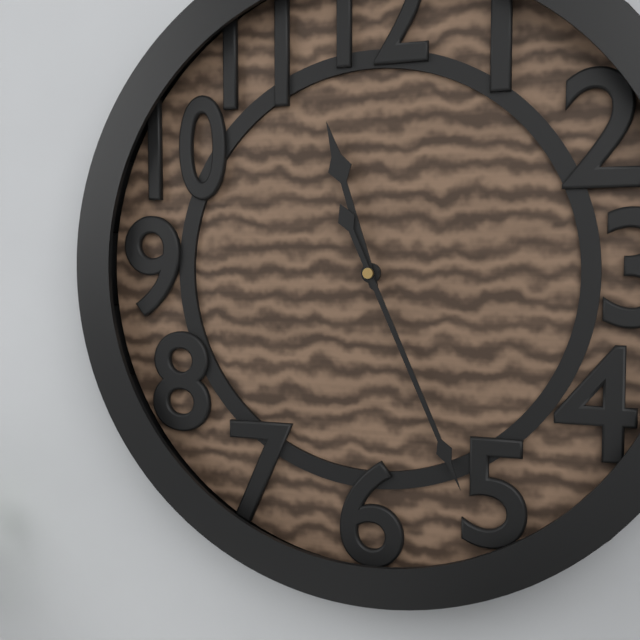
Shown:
11:26
